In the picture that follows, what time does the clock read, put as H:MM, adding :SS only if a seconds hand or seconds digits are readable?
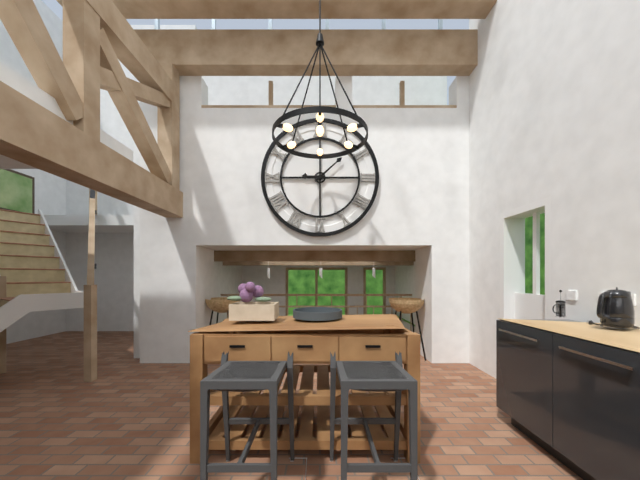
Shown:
9:08
